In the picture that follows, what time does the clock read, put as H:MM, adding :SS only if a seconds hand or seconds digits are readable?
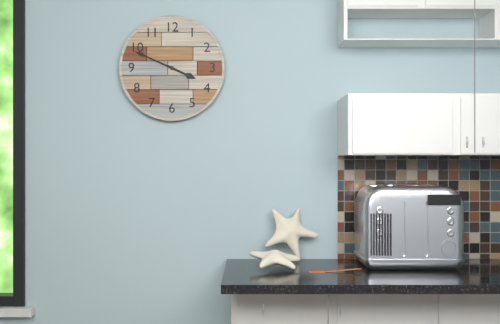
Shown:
3:49
